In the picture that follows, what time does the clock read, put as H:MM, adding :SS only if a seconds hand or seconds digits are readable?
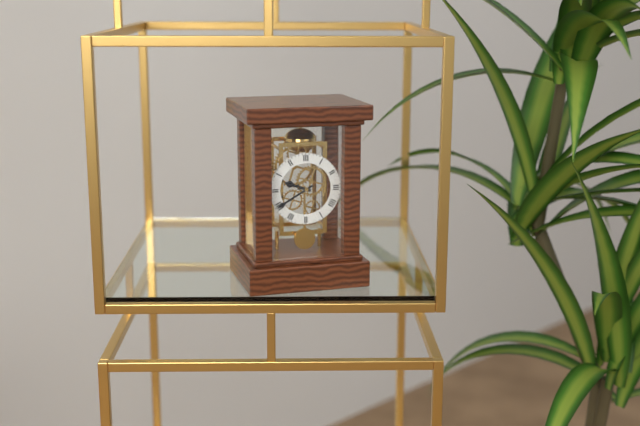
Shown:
9:40
